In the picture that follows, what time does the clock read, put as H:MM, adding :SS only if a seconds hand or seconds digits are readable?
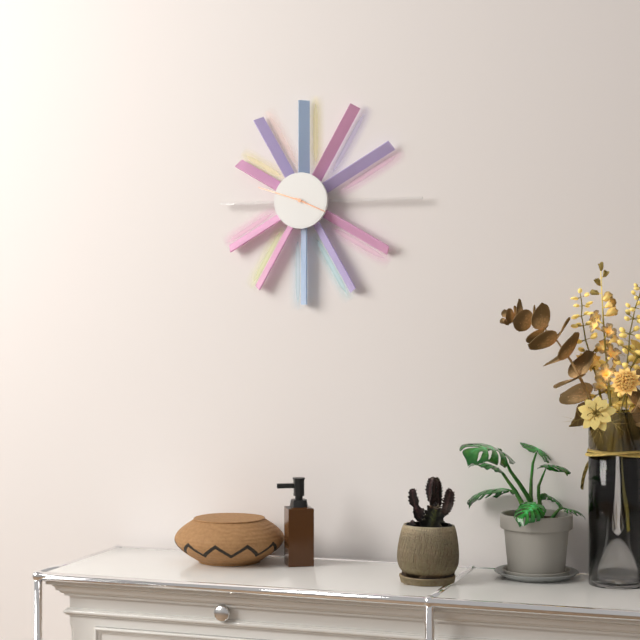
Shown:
3:48
